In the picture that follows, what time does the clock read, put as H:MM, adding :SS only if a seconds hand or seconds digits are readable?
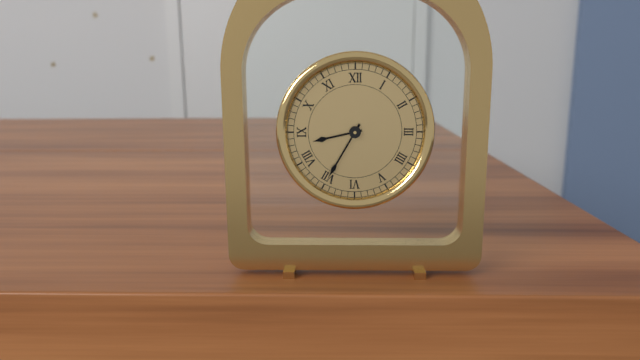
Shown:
8:35
